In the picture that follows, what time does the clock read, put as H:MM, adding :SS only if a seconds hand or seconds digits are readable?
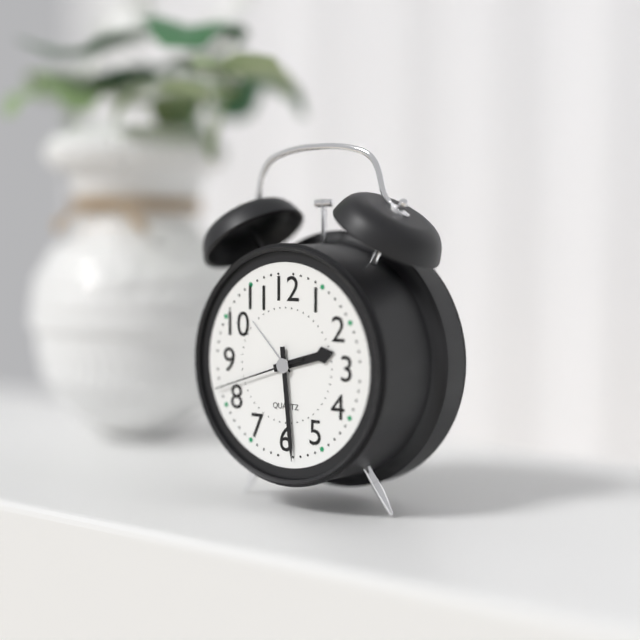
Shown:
2:29:42
